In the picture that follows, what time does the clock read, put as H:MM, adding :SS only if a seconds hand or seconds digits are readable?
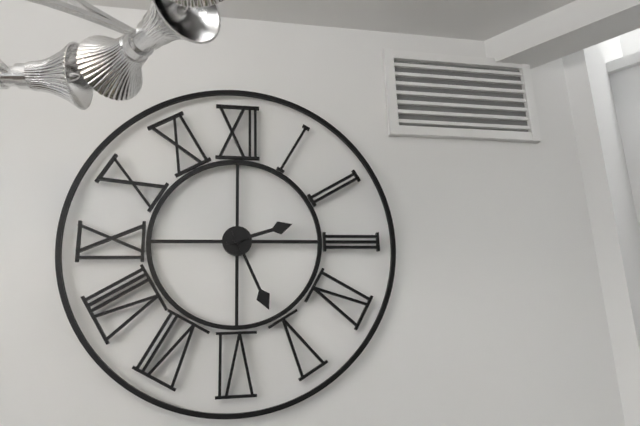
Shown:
2:26
